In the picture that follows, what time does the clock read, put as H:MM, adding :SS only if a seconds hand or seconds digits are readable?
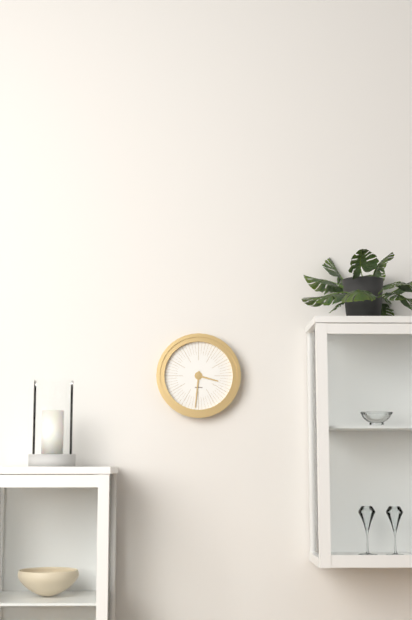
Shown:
3:31
